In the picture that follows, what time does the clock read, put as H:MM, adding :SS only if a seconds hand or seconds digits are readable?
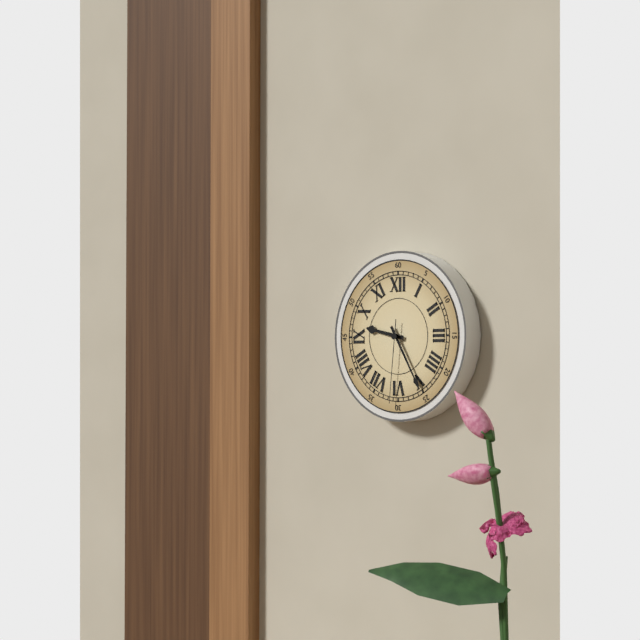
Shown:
9:25:31
